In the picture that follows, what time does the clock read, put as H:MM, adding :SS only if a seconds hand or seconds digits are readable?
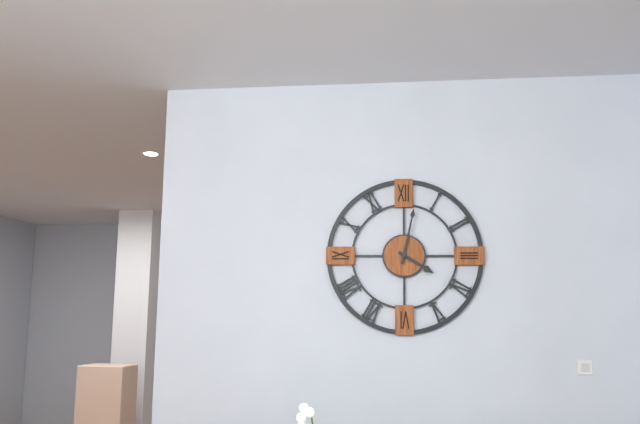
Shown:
4:02
